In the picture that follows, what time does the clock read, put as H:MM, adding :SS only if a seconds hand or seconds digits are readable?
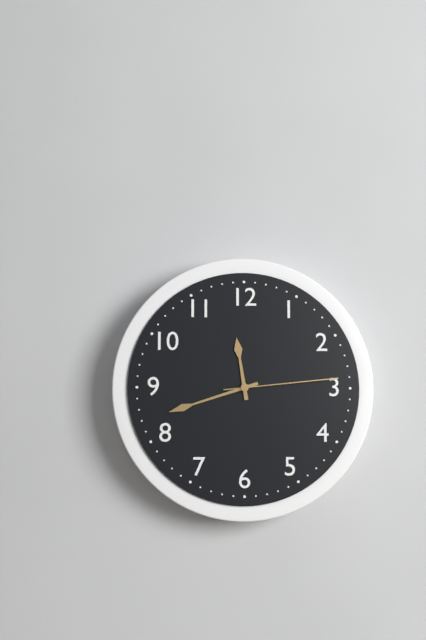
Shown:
11:42:14
